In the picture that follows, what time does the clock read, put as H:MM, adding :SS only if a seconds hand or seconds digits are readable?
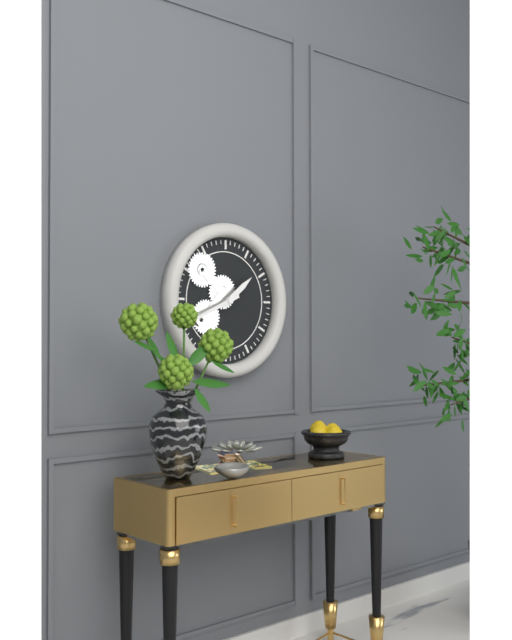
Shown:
1:41
